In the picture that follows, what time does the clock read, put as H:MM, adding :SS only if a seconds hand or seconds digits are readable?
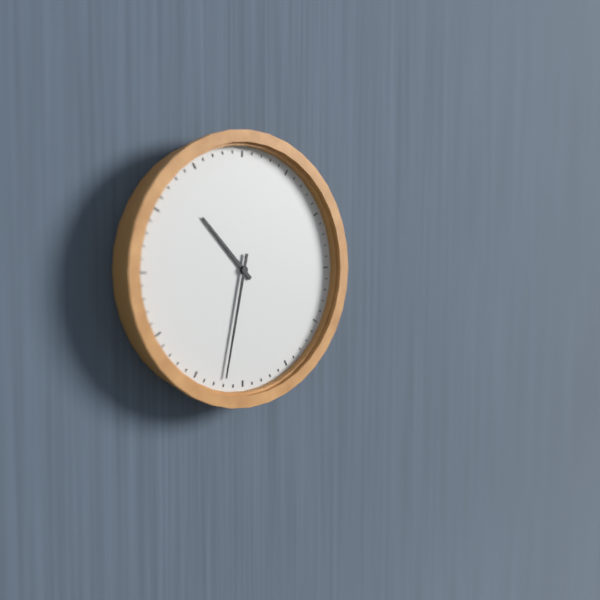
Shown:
10:32
